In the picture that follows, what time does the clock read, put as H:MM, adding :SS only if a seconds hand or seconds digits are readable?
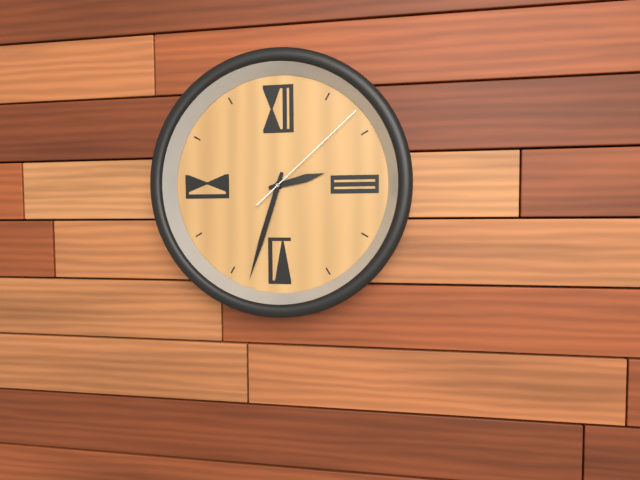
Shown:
2:33:08
